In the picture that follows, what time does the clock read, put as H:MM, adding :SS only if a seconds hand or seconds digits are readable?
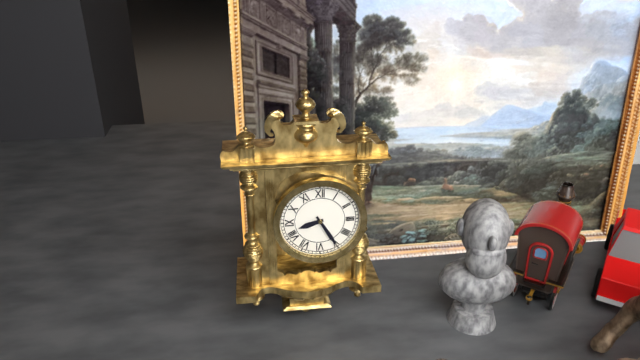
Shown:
8:25
